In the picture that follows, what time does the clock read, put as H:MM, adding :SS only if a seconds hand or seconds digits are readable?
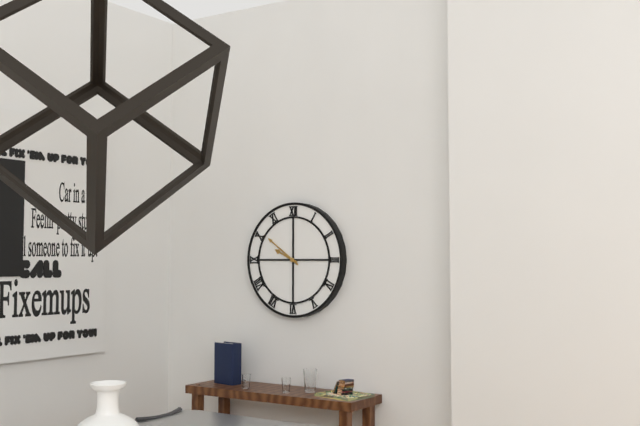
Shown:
9:51
